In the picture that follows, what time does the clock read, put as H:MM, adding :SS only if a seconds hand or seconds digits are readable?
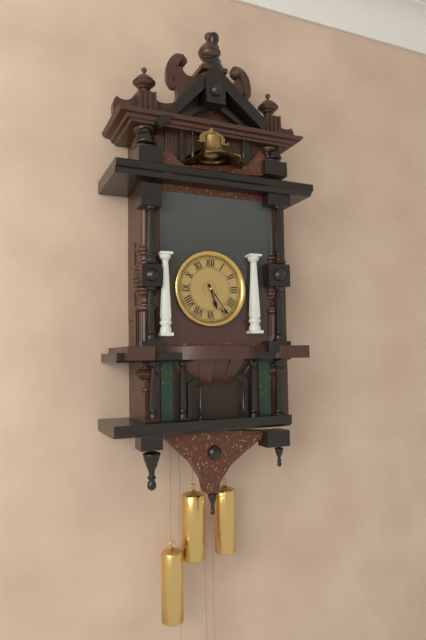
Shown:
5:24
